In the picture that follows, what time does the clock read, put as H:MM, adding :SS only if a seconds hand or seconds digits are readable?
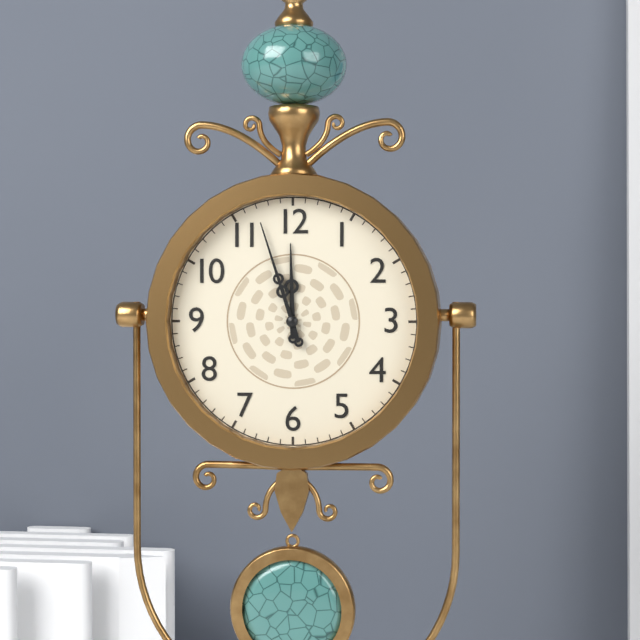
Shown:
11:57
